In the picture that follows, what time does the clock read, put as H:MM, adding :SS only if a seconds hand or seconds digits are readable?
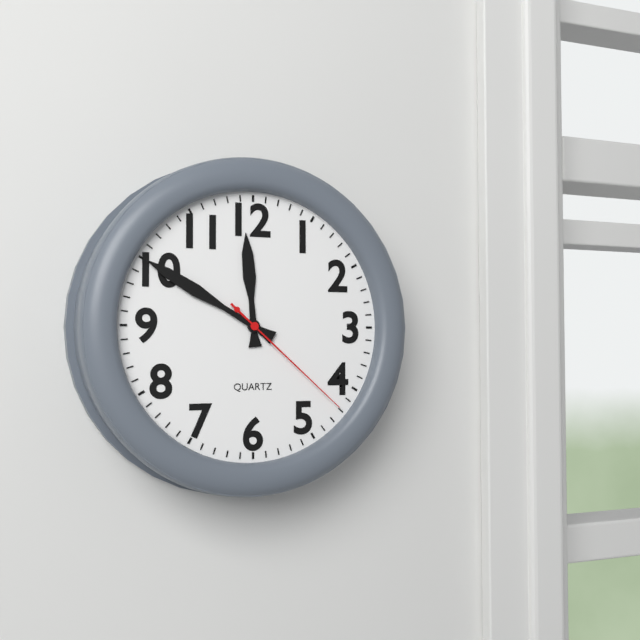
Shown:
11:50:22
